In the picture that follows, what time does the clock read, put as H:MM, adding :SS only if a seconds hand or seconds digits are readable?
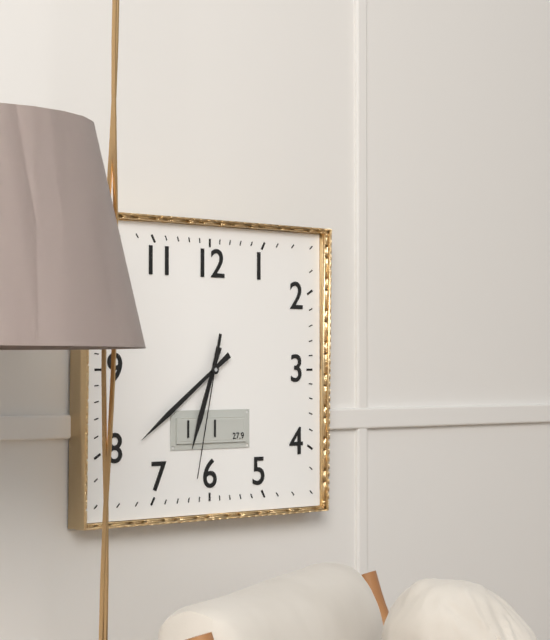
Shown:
6:39:32
